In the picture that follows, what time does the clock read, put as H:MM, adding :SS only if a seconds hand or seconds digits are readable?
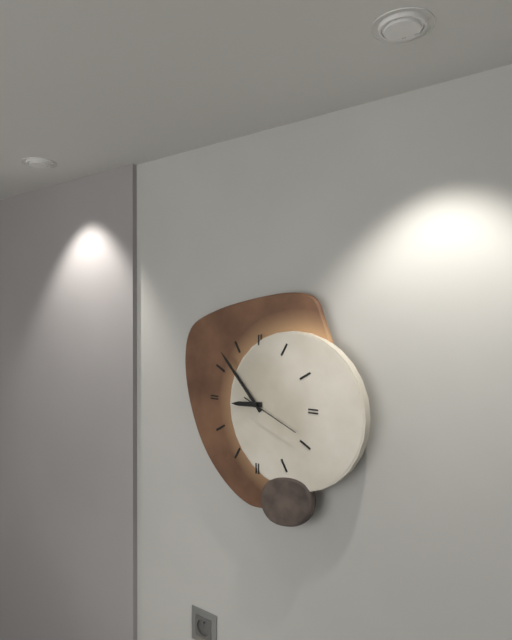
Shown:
8:53:19
